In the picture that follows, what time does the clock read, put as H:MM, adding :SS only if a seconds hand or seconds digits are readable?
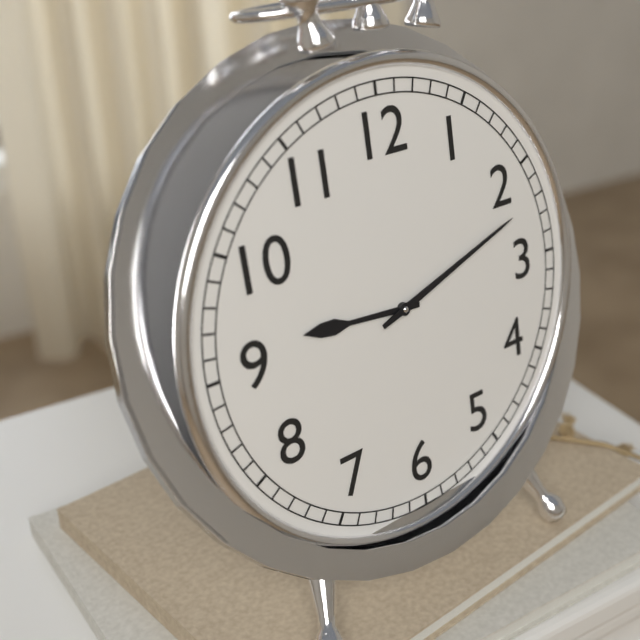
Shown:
9:12
